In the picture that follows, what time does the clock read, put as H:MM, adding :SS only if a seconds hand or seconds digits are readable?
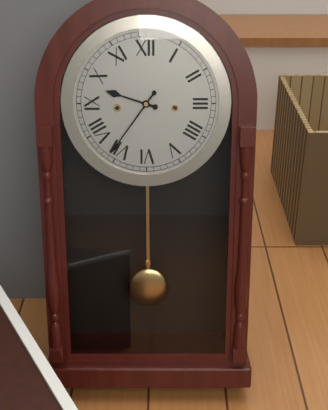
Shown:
9:36
